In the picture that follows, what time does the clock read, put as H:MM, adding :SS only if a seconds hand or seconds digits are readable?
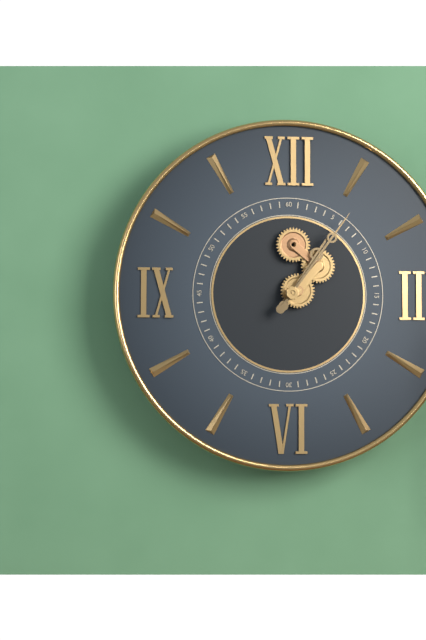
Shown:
1:06
